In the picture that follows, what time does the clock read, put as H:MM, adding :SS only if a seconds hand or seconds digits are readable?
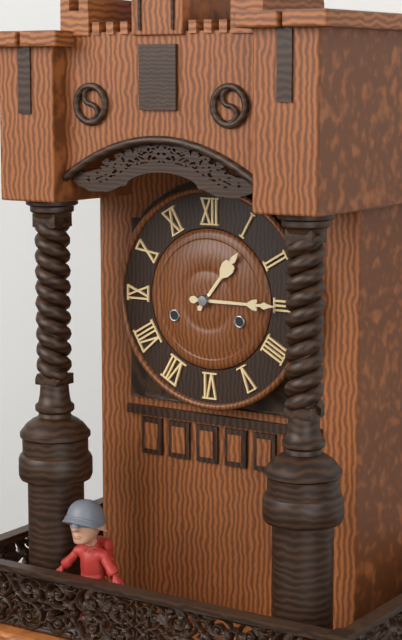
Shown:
1:15
